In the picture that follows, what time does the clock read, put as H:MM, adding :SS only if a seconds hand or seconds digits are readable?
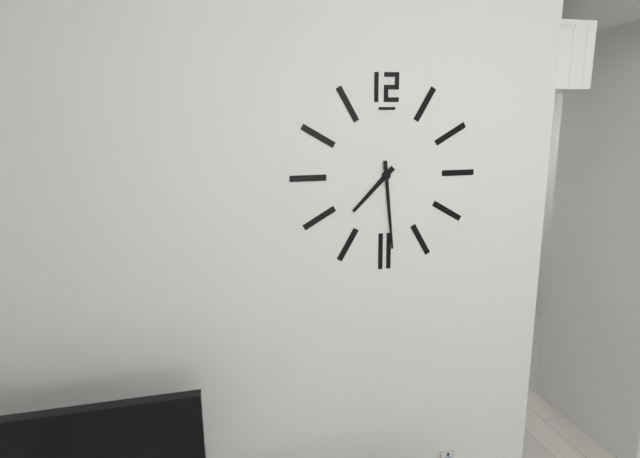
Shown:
7:29
